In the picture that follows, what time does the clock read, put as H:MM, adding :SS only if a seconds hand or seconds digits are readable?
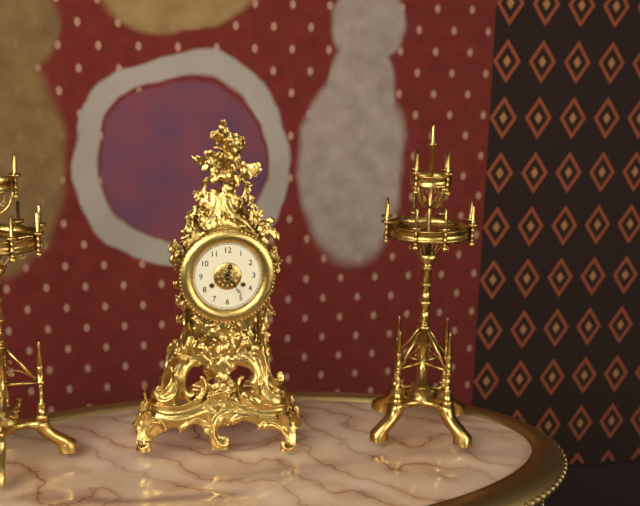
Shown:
12:24
